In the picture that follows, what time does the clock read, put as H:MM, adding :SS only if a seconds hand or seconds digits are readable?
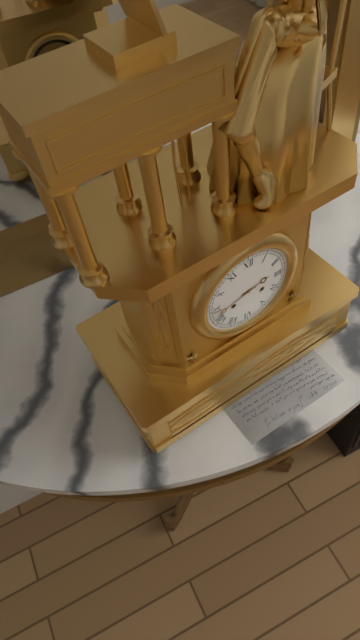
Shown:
2:43
